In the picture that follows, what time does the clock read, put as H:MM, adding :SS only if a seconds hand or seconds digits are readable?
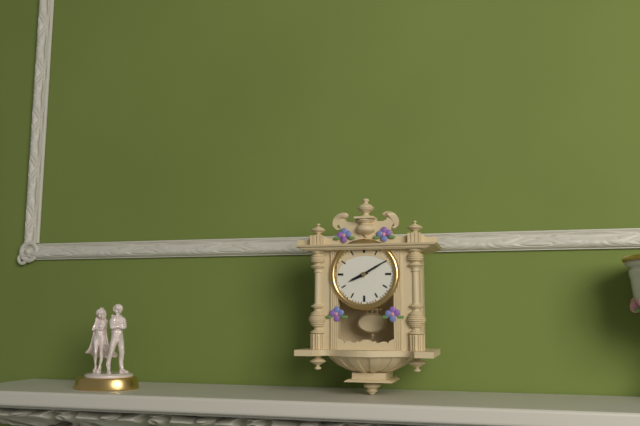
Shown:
8:10
